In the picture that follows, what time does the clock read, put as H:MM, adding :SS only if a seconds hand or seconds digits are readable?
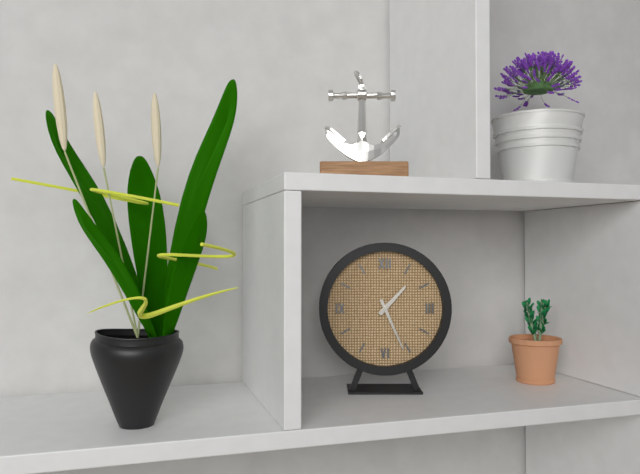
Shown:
1:26
